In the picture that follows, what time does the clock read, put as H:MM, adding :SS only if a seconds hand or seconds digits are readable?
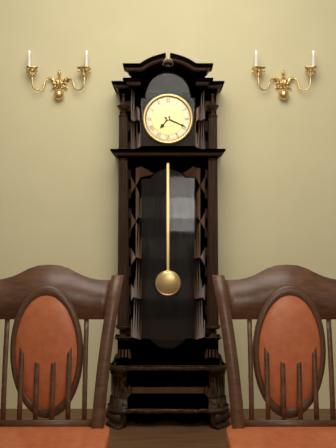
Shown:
7:19
